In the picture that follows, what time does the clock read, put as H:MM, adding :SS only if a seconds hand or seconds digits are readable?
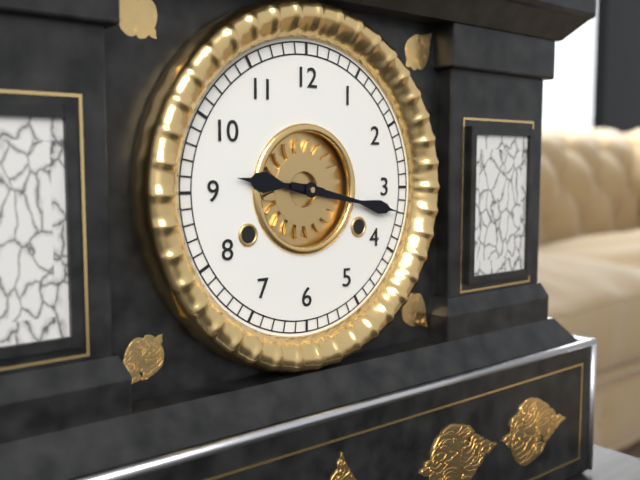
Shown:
9:17
